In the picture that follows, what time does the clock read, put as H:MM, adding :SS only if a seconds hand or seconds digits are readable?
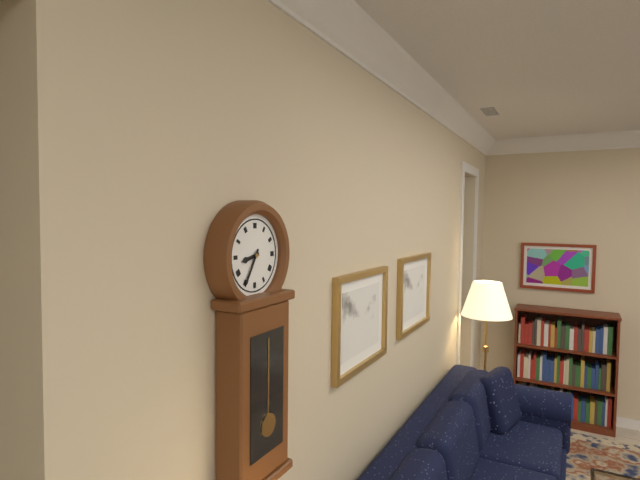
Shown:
8:35
